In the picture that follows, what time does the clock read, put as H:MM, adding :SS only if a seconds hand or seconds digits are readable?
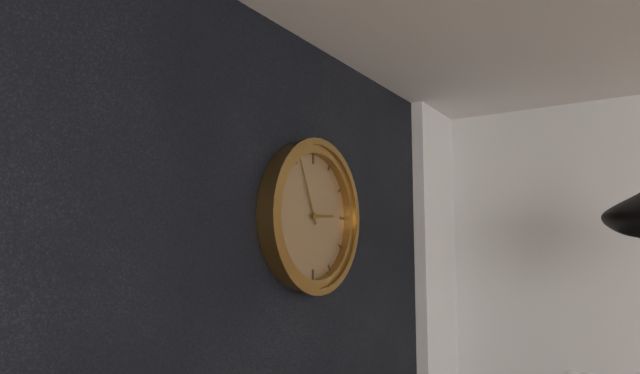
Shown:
2:56
